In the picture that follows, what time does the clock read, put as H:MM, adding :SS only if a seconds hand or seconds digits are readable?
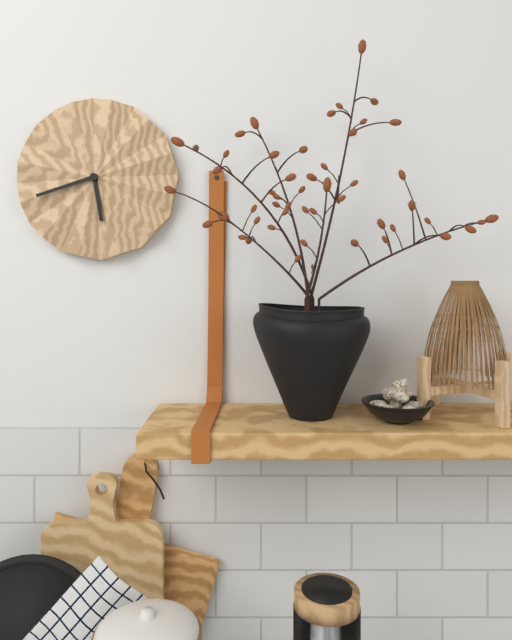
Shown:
5:42
